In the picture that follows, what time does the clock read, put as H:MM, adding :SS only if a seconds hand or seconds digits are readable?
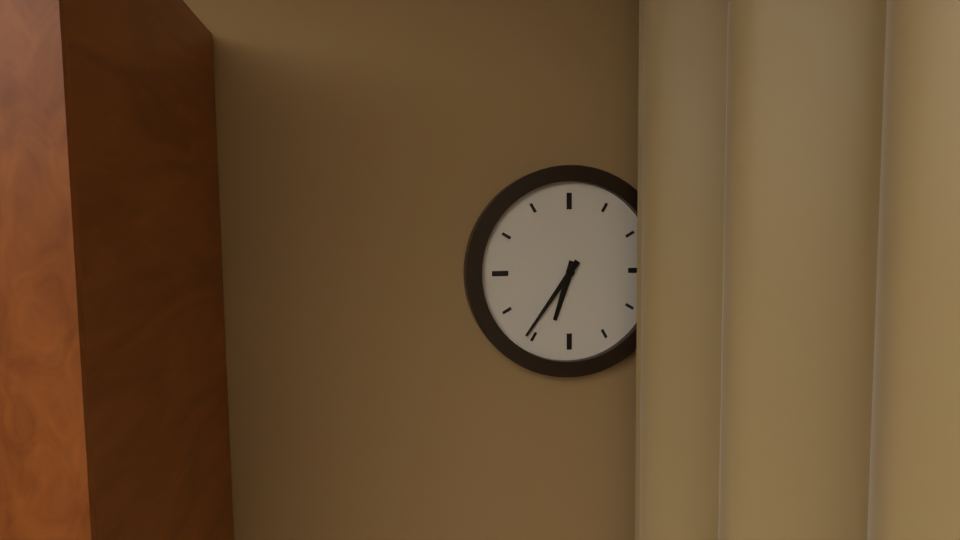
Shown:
6:36
